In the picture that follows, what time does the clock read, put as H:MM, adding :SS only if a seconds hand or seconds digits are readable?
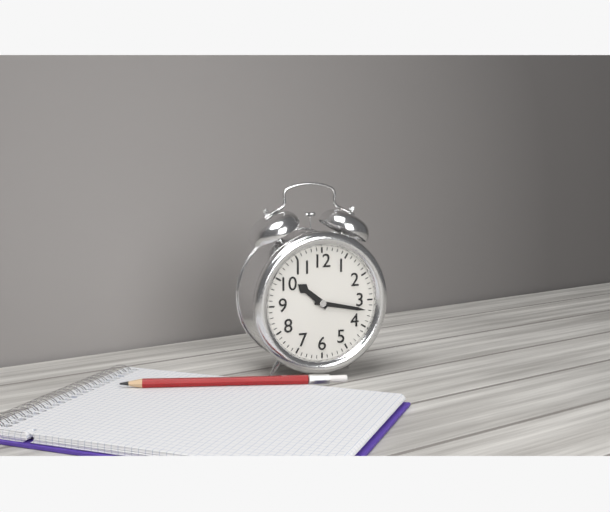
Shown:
10:17
